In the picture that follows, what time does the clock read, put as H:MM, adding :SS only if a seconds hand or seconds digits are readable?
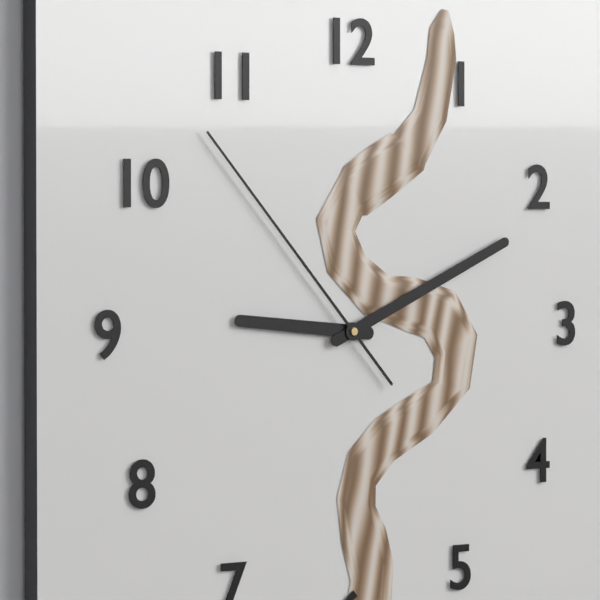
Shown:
9:11:53
